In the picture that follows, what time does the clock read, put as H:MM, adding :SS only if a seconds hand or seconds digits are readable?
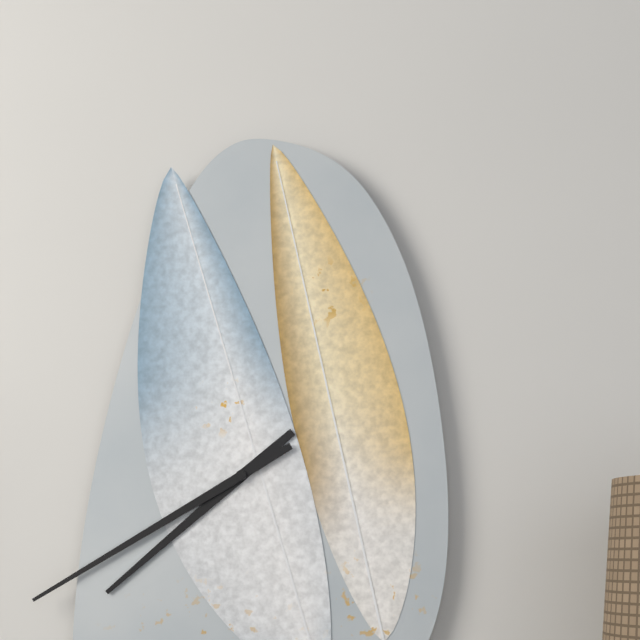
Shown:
7:40
